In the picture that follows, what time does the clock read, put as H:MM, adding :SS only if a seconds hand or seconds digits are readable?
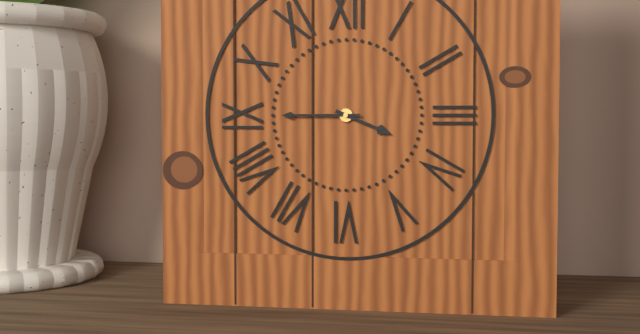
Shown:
3:45
